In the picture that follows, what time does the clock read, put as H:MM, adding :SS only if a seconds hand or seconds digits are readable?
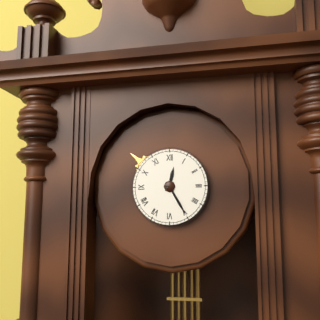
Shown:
12:25
